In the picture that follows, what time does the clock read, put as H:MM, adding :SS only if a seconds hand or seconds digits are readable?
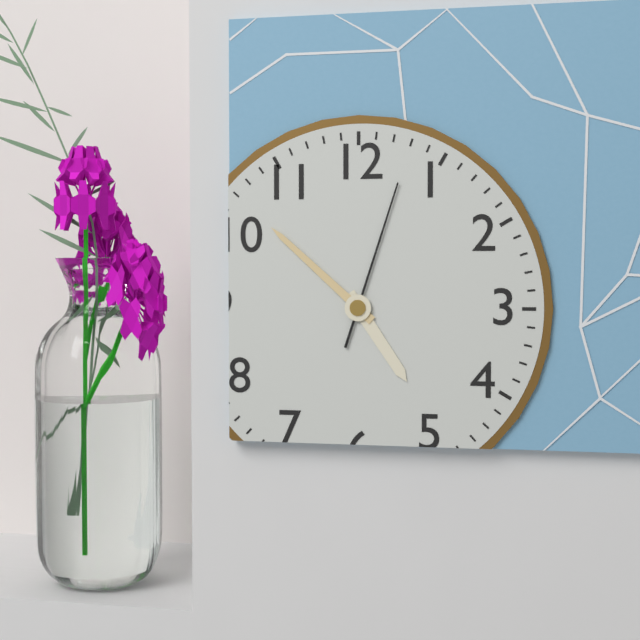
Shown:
4:52:03
